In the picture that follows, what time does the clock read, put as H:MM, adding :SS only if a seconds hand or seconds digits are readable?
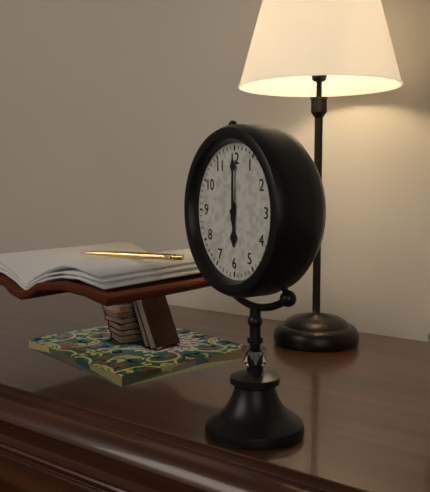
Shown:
6:00
